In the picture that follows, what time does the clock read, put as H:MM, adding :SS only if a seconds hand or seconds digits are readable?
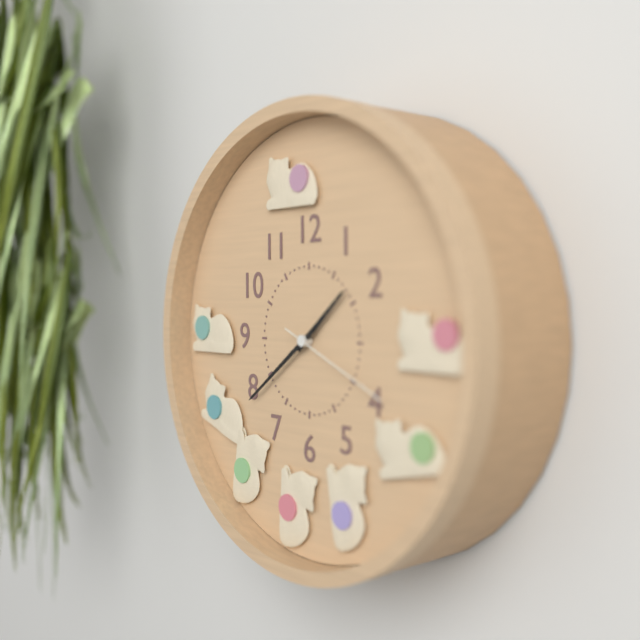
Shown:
1:39:19
